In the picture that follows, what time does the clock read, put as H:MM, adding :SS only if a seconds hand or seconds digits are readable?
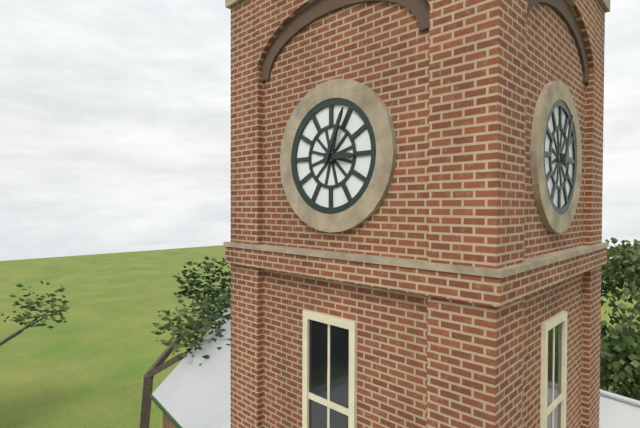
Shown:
3:04
